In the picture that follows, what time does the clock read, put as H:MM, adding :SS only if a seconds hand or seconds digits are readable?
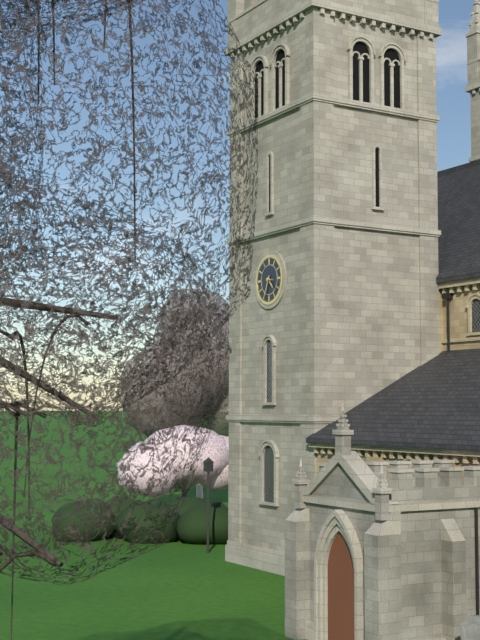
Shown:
4:34
